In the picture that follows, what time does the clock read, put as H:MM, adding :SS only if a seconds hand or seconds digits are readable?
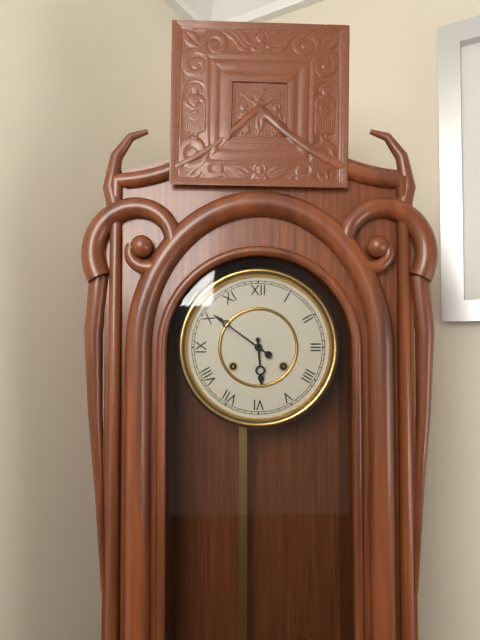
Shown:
5:51
